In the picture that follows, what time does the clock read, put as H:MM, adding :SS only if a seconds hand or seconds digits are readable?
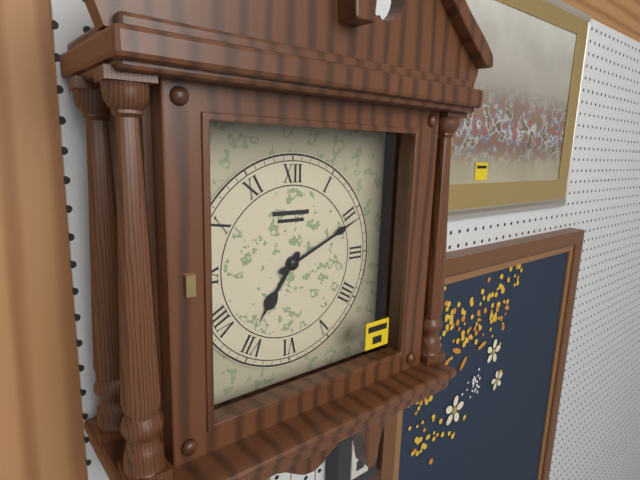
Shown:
7:11
